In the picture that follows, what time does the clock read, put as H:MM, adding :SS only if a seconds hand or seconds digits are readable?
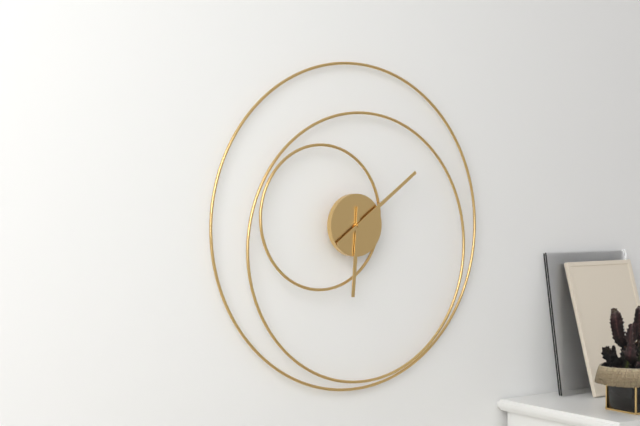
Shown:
6:09
